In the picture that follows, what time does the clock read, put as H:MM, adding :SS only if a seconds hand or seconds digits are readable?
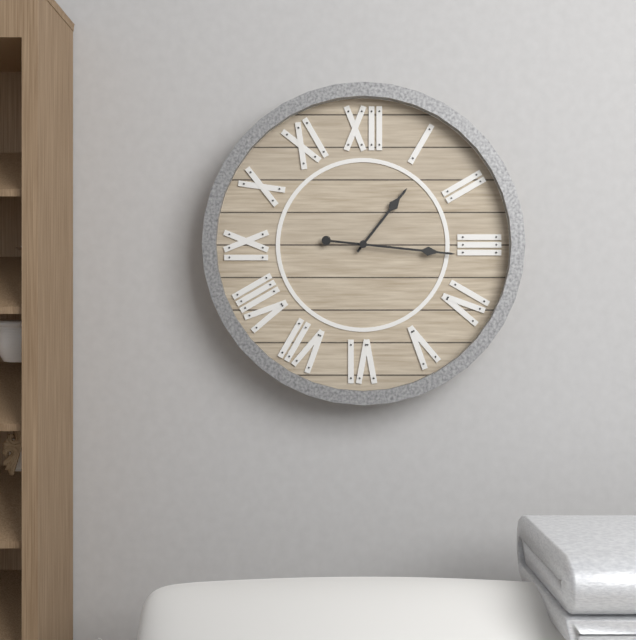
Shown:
1:16
